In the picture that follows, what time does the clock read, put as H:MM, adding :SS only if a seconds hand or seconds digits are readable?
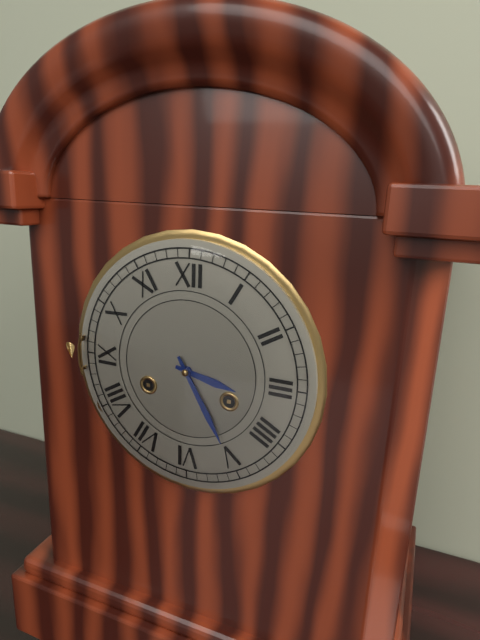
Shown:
3:25
